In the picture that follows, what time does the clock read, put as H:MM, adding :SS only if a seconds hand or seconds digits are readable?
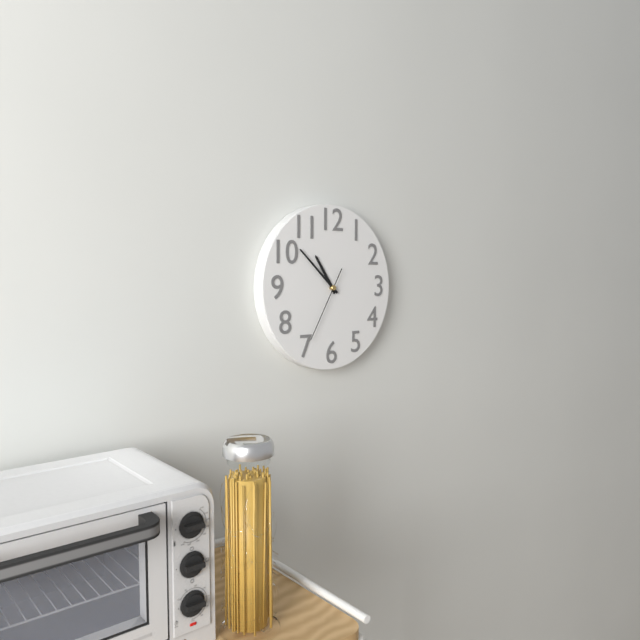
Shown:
10:52:35
